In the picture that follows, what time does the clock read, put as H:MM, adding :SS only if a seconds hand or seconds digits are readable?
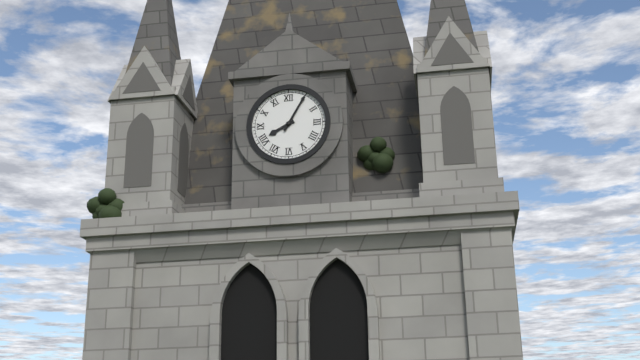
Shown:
8:05
